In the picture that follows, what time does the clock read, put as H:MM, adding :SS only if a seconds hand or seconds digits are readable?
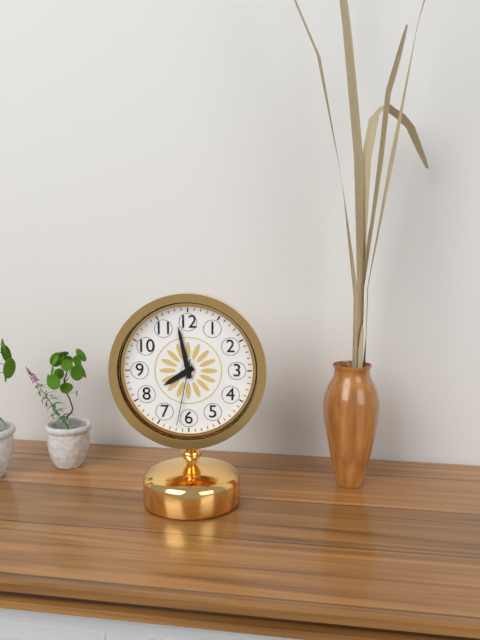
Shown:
7:58:32
